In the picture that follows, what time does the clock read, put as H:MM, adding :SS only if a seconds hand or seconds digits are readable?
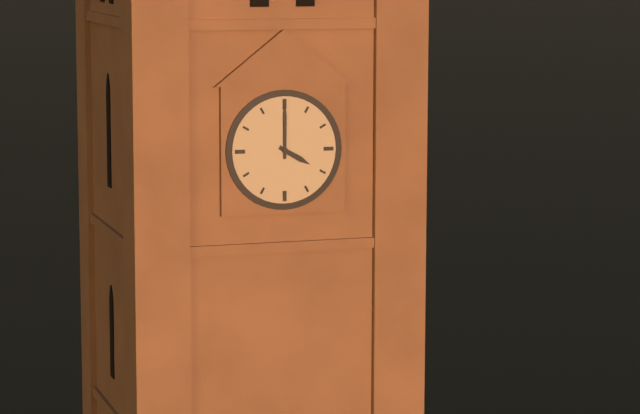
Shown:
4:00
